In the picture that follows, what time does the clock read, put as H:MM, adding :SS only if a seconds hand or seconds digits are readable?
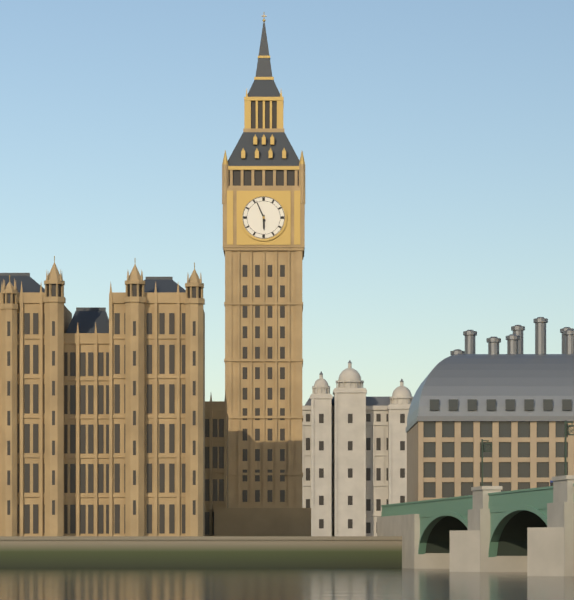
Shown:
5:56
